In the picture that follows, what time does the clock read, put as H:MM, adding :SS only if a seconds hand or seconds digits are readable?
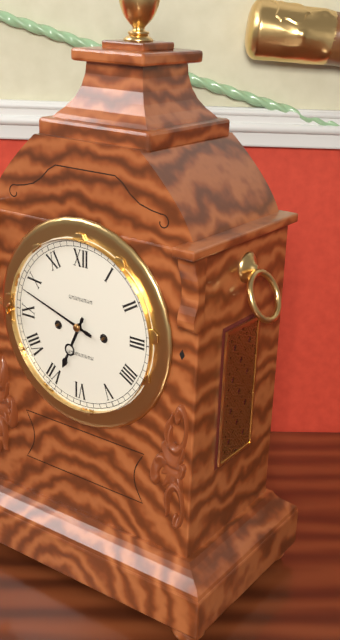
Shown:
6:48
